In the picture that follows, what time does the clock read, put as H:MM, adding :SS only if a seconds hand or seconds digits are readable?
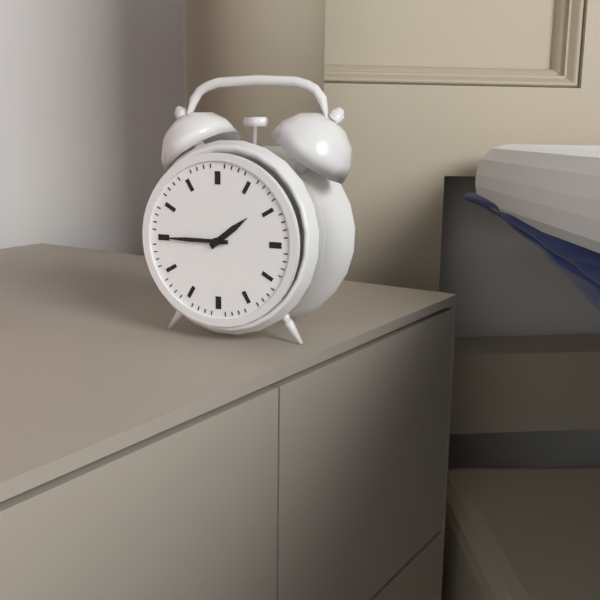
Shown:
1:45
